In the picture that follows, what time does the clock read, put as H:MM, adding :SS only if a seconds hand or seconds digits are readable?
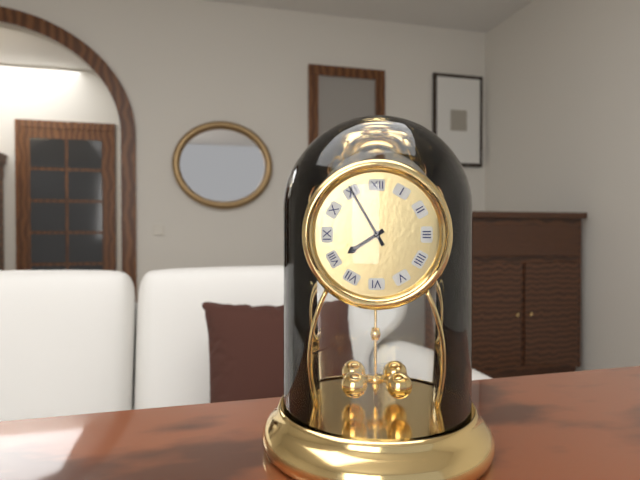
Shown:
7:55
